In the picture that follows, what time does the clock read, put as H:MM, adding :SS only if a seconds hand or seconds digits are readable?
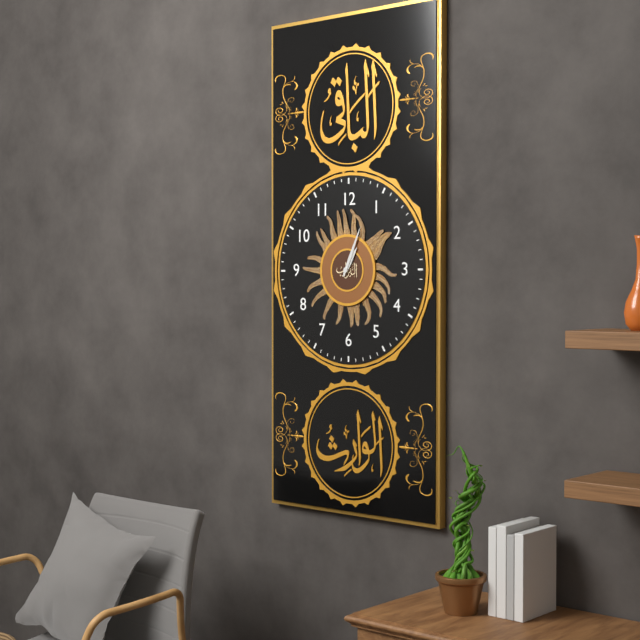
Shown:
1:04
